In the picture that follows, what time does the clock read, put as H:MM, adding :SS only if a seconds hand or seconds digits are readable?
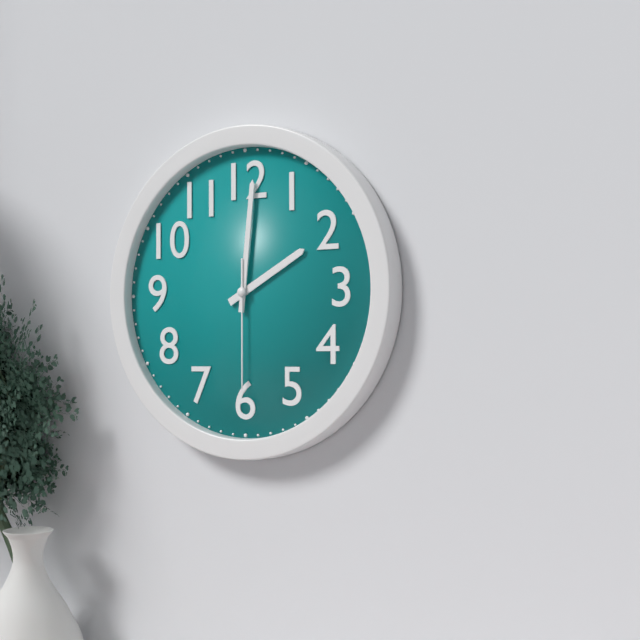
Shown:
2:01:30
